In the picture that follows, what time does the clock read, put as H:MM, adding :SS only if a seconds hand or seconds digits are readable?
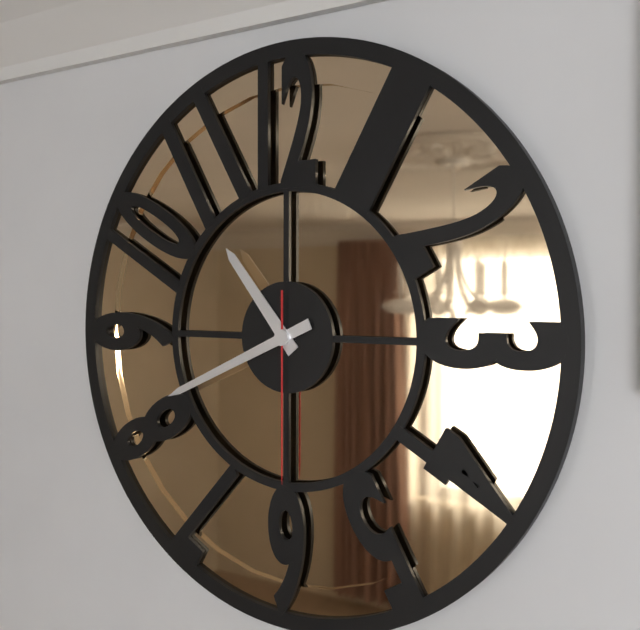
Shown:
10:41:30
